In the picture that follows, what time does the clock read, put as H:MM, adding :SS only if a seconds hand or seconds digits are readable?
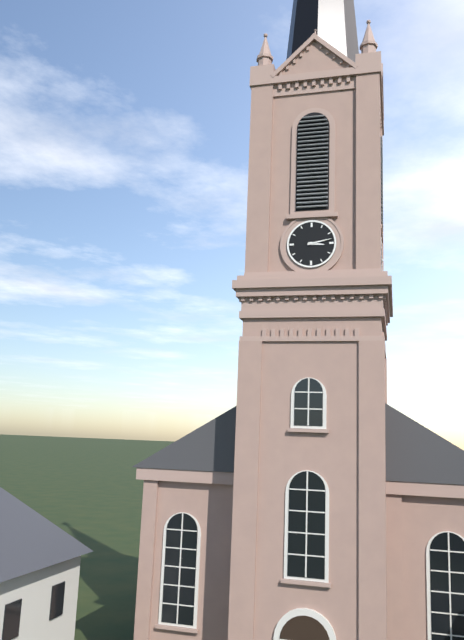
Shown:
3:13
